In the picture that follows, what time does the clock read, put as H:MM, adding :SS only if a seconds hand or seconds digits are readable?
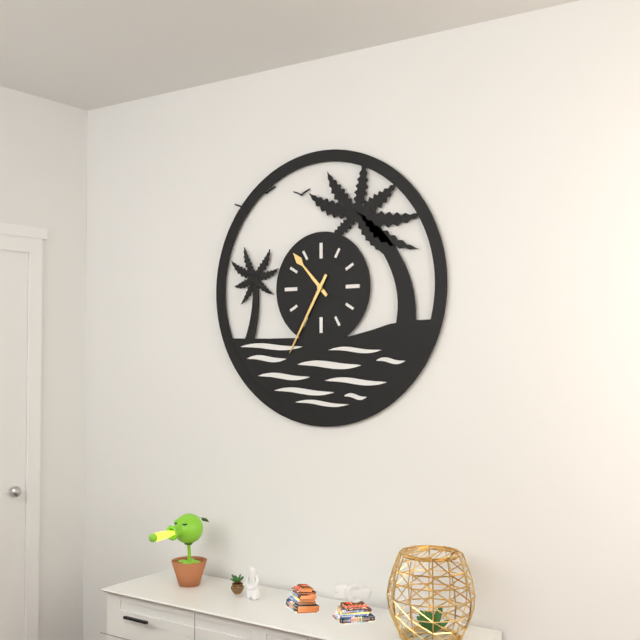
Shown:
10:35
